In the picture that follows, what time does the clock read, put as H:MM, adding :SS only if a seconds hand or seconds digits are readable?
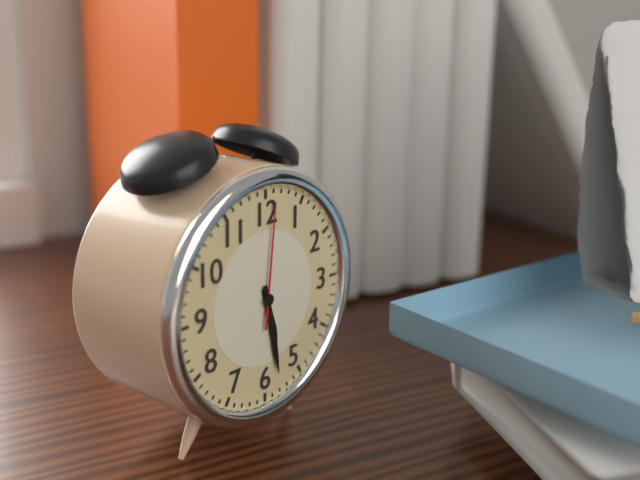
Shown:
5:28:01
